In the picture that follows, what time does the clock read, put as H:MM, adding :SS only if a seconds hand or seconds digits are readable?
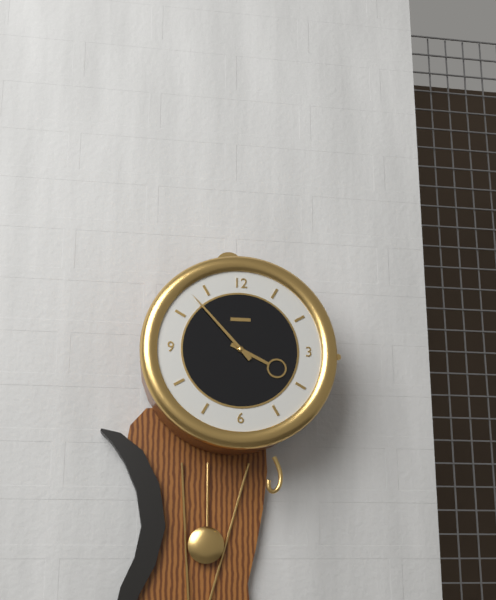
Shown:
3:53
